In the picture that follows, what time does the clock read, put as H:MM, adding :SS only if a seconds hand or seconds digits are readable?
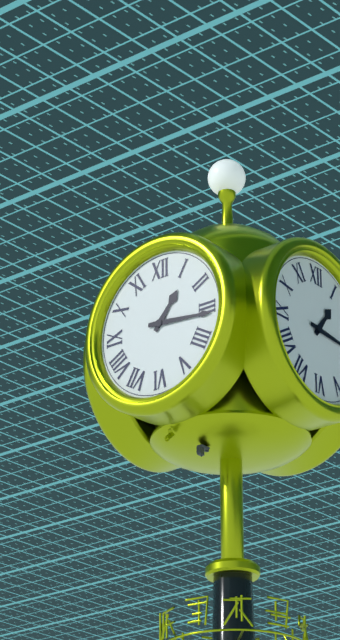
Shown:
1:16
